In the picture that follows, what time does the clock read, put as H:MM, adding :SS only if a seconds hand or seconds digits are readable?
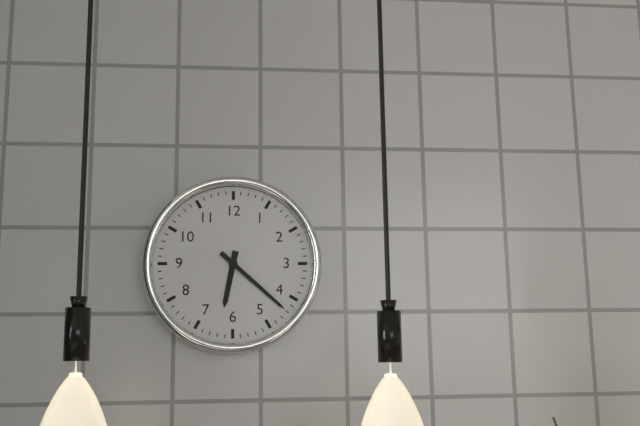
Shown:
6:22
